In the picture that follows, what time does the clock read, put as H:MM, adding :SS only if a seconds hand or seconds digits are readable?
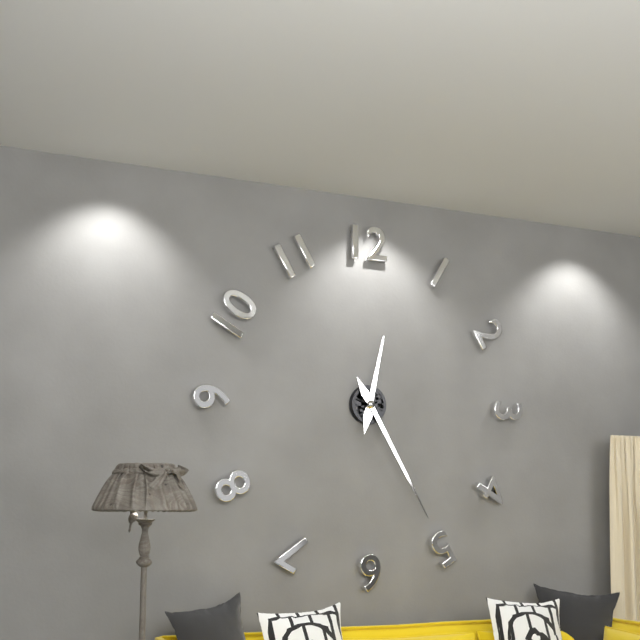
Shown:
12:25
